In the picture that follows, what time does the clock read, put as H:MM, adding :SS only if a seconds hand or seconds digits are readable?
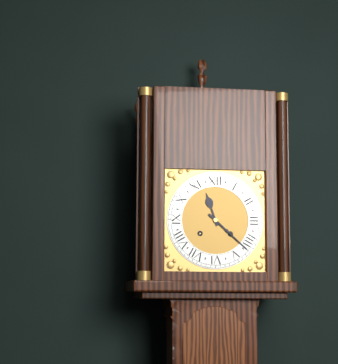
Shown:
11:22
